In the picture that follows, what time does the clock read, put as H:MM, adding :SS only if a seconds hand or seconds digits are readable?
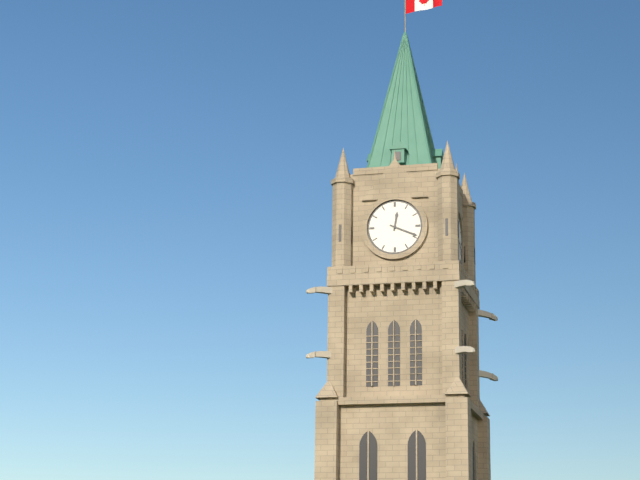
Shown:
12:19
